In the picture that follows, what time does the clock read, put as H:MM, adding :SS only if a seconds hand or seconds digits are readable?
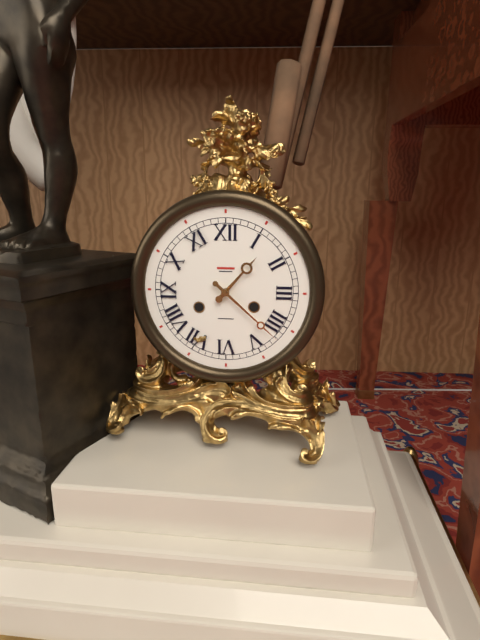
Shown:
1:22
